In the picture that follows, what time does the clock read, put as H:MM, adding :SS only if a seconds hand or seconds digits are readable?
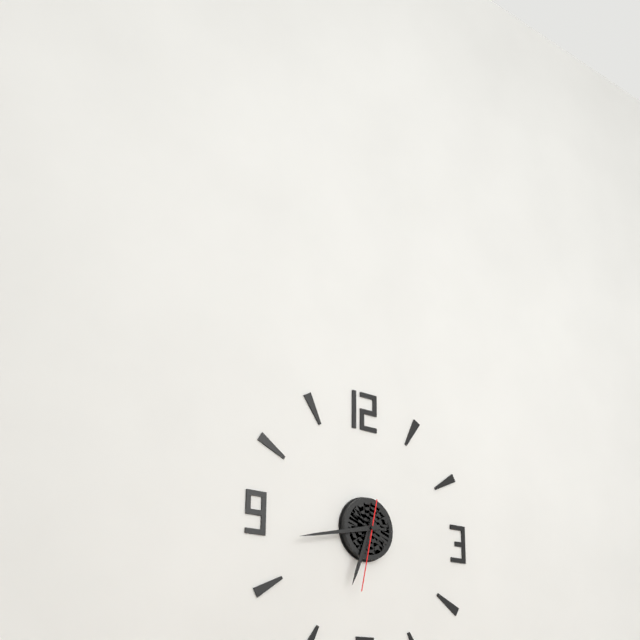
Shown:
6:43:32
